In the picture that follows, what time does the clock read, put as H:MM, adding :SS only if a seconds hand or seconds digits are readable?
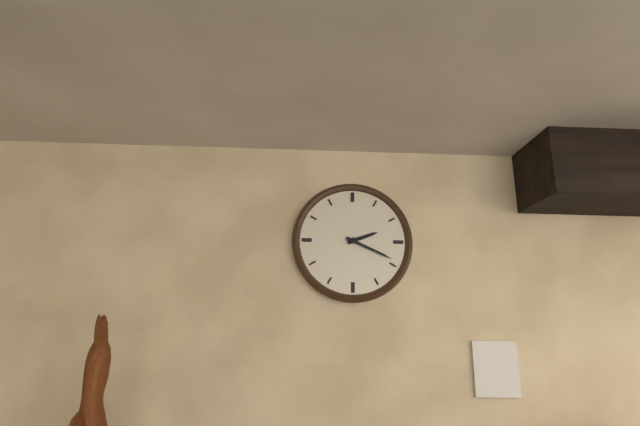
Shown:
2:19
